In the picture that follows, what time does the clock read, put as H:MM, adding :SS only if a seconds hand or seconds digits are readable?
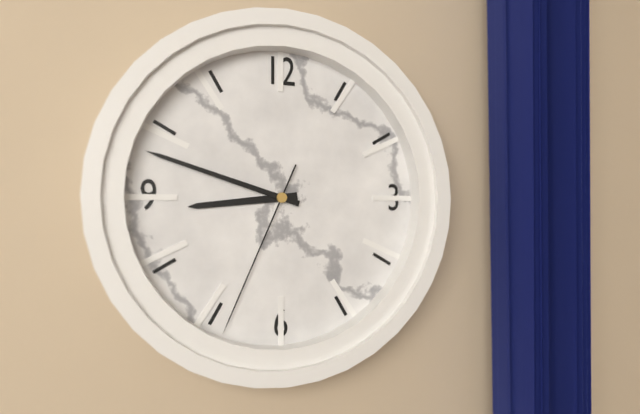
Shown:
8:48:34
